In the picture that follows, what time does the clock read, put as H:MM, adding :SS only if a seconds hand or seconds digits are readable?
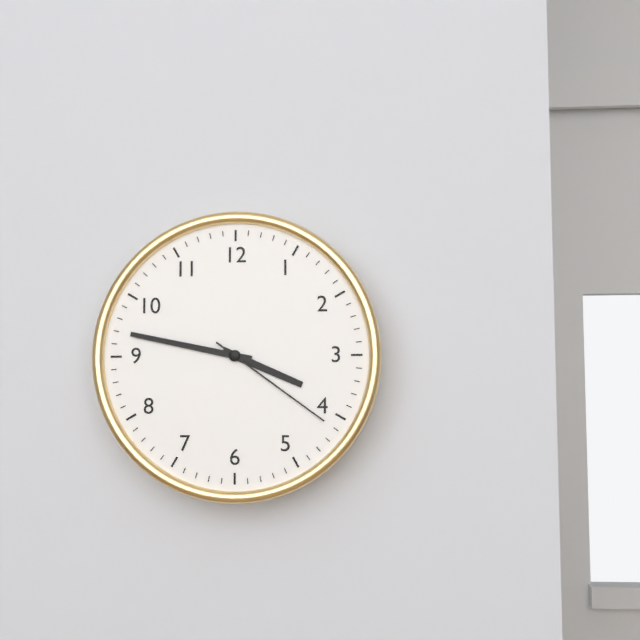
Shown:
3:47:21
